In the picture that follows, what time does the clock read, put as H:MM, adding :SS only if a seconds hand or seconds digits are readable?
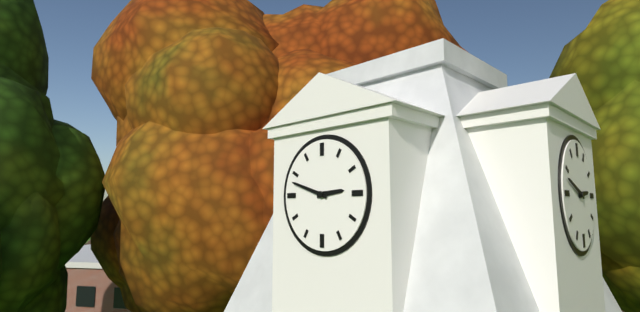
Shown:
2:48
